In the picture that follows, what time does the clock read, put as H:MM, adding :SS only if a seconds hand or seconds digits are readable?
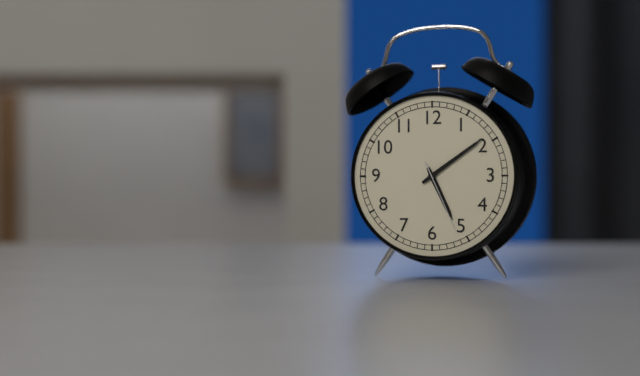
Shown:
5:09:26
